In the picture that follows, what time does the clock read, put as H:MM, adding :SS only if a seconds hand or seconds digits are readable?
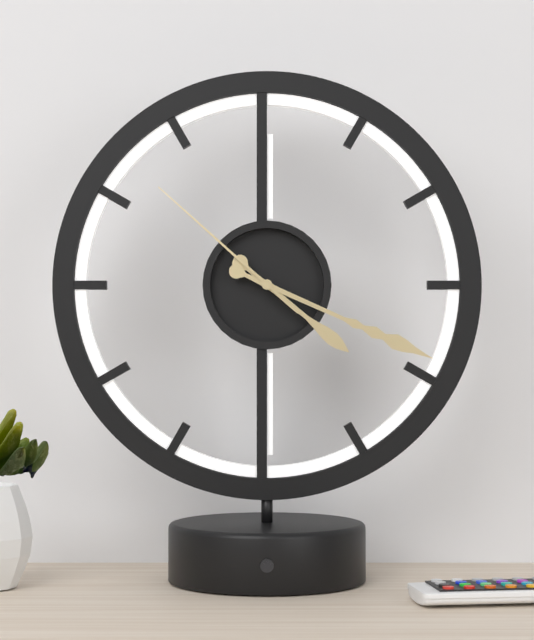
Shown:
4:19:52
